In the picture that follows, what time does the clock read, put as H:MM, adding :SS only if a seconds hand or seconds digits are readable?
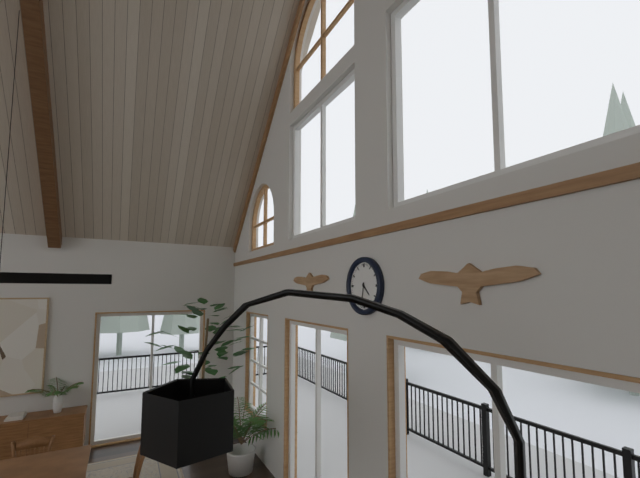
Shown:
4:32
